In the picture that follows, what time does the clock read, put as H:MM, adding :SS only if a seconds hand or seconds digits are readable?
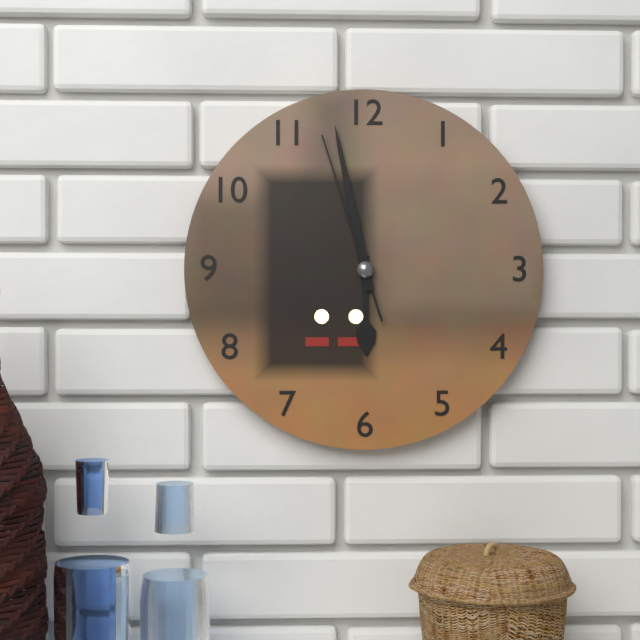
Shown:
5:58:57
